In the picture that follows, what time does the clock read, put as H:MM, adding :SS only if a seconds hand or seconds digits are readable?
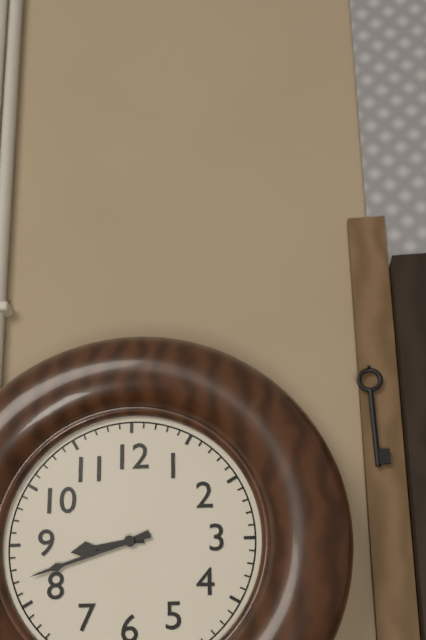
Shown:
8:42
